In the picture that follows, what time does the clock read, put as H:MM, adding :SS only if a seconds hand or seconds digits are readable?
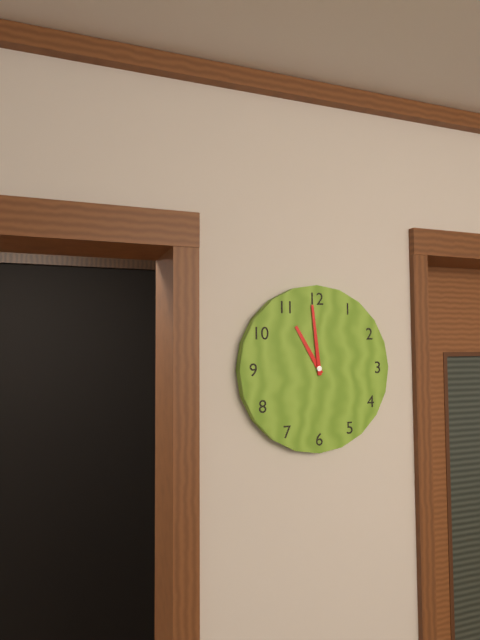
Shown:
10:59
